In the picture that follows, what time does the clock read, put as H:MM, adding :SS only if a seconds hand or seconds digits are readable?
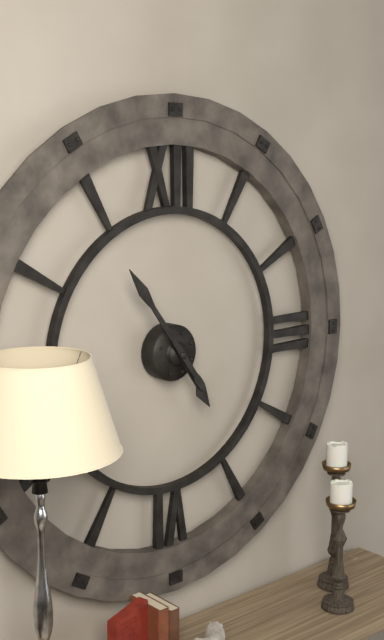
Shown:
4:54
